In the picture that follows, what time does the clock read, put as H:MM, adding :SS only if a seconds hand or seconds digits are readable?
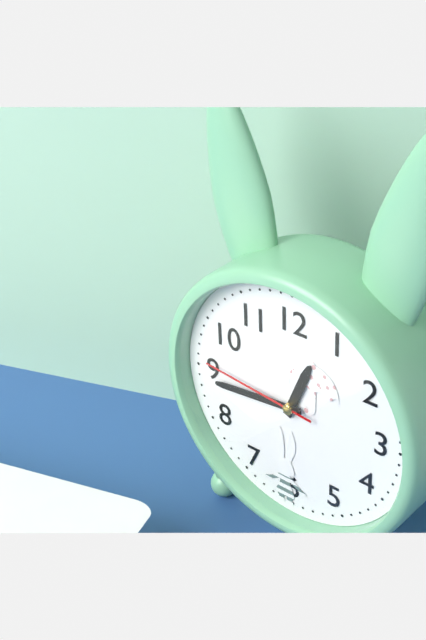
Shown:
12:44:46
